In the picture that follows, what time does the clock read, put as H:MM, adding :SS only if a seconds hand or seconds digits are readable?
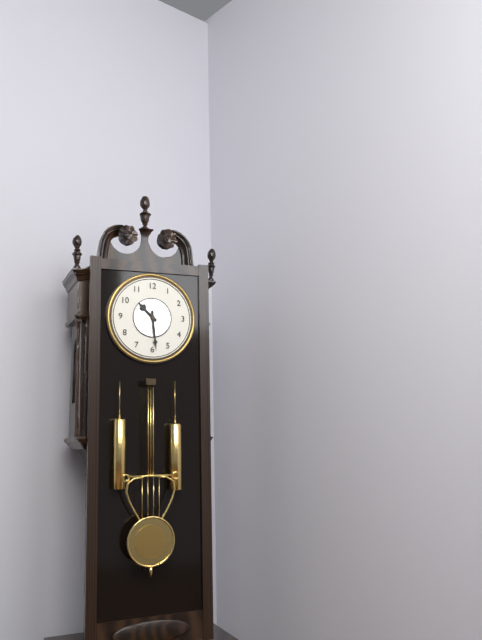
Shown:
10:29
